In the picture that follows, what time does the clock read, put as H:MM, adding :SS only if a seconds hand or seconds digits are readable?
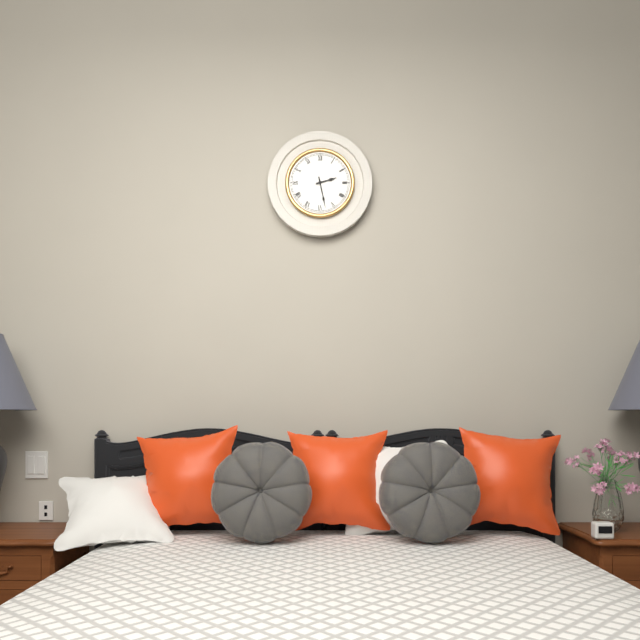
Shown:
2:28
